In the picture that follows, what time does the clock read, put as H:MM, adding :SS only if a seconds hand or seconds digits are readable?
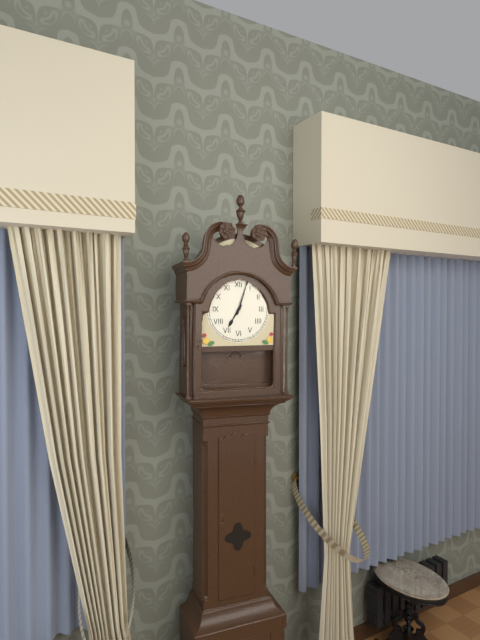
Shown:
7:03
